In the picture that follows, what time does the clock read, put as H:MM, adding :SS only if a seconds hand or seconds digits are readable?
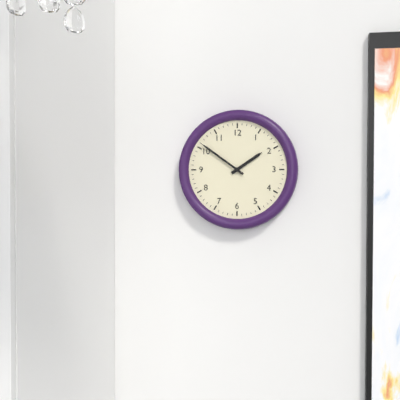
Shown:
1:51
